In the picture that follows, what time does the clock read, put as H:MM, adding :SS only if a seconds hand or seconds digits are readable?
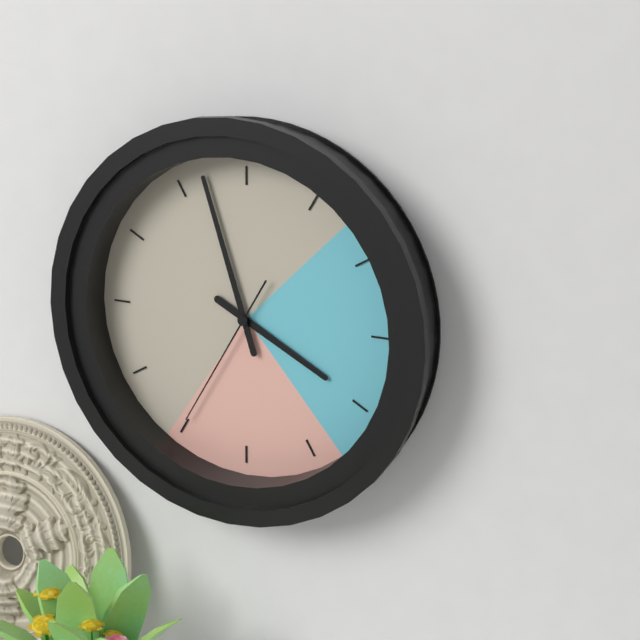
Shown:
3:57:35
